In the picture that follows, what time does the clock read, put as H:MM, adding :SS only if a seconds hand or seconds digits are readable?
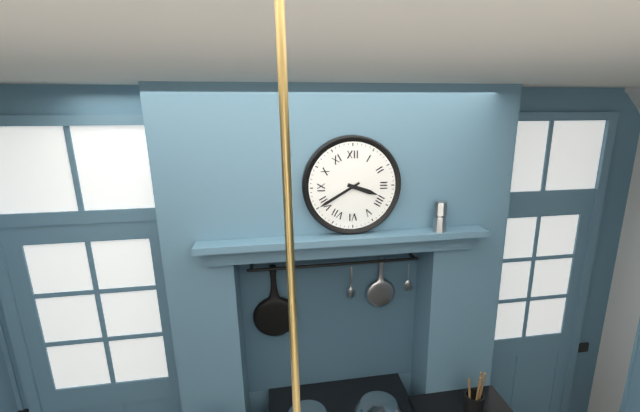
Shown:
3:40
